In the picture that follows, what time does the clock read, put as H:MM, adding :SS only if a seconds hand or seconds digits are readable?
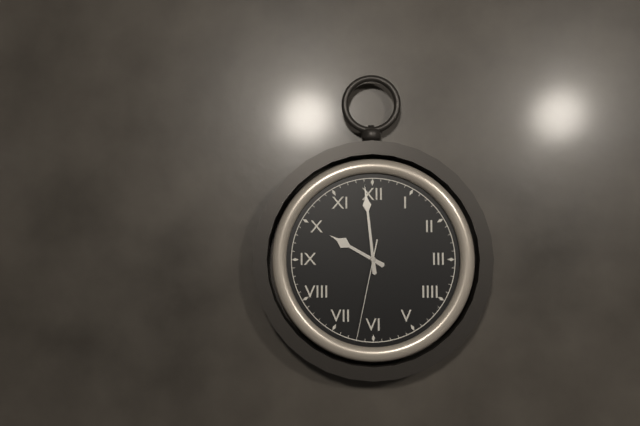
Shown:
9:59:32
